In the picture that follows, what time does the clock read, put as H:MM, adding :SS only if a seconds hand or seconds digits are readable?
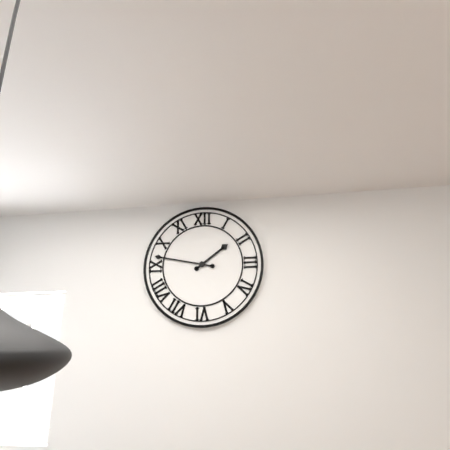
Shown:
1:47
